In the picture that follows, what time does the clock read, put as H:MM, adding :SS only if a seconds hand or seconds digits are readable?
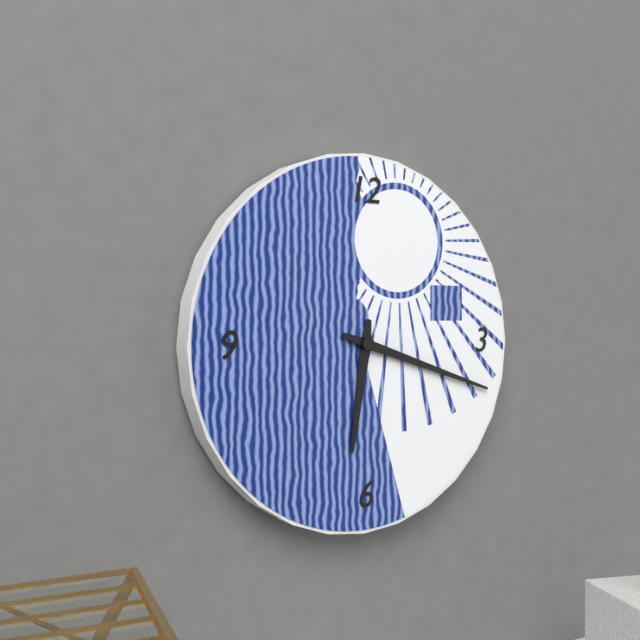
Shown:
6:18
